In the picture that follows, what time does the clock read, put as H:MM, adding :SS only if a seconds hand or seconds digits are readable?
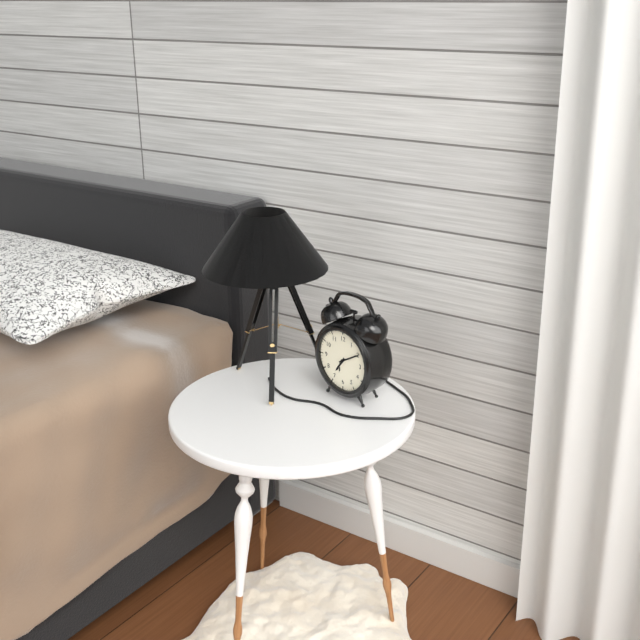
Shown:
7:10
